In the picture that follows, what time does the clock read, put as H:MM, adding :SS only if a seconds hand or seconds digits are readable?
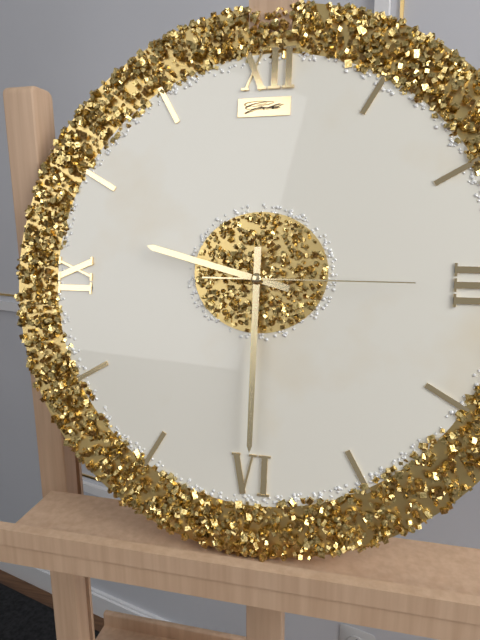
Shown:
9:30:15
